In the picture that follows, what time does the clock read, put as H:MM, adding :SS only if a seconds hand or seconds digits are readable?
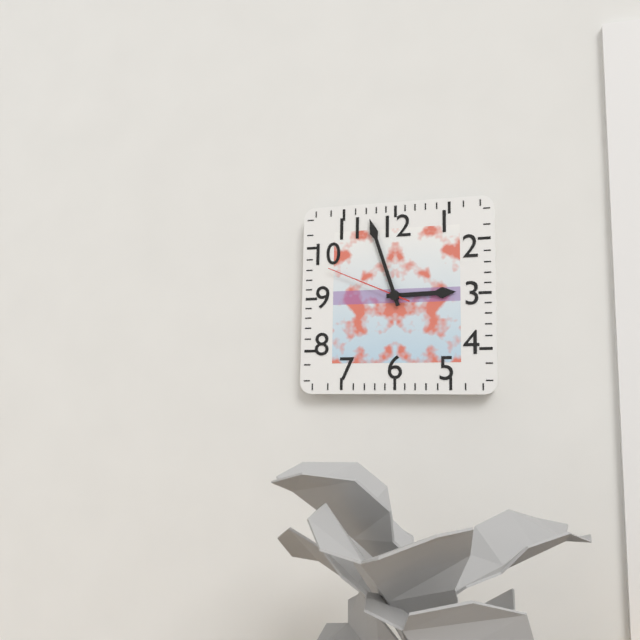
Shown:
2:57:49
